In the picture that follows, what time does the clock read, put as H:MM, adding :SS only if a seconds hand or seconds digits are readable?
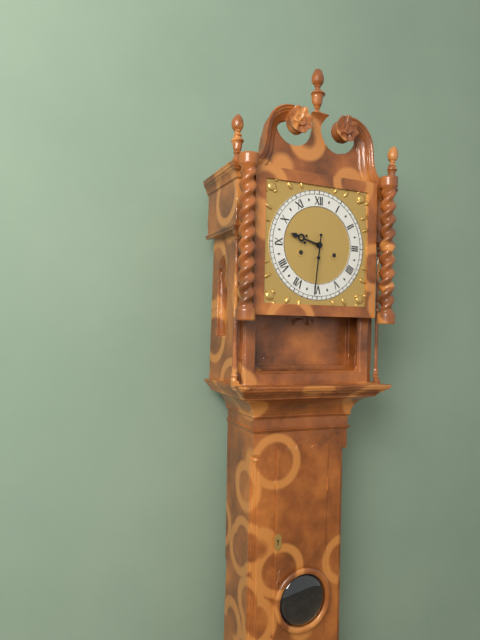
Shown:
9:31
